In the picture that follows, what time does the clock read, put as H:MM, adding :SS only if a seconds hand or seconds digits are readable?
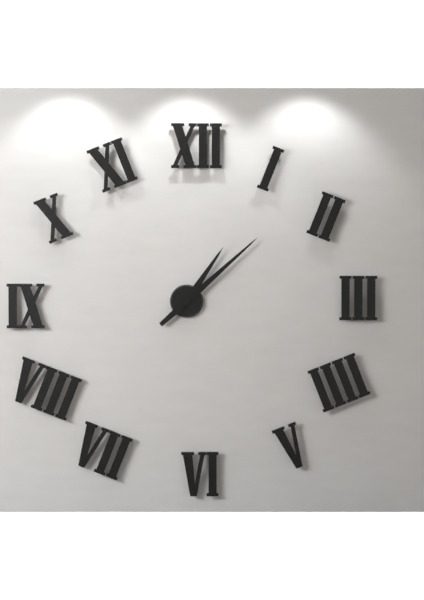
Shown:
1:08
